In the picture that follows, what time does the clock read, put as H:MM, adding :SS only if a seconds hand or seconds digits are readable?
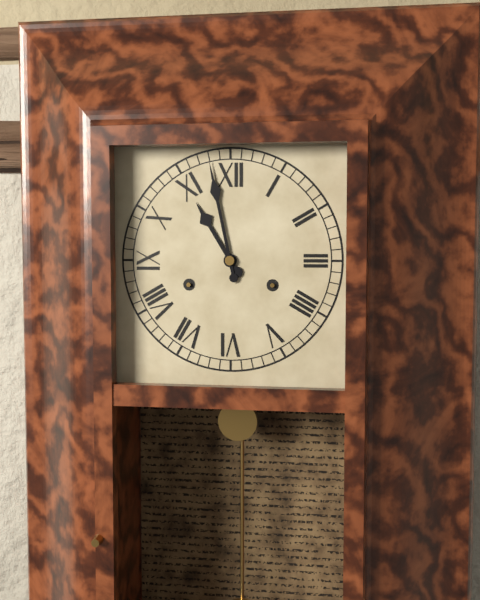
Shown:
10:58
